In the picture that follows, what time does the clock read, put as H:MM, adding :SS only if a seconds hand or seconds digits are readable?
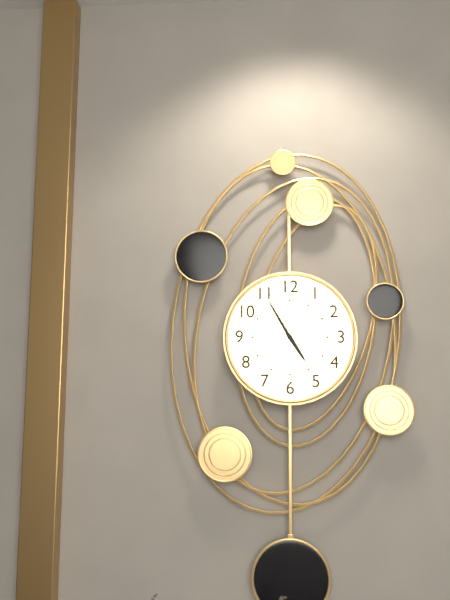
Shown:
4:55
